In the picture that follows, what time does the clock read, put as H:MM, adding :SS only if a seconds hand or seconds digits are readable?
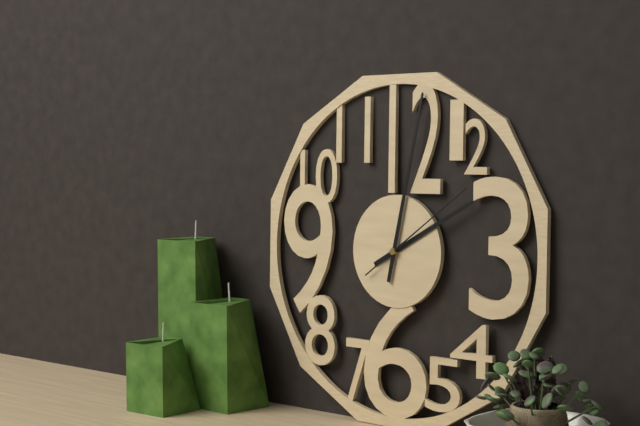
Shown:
2:02:09
